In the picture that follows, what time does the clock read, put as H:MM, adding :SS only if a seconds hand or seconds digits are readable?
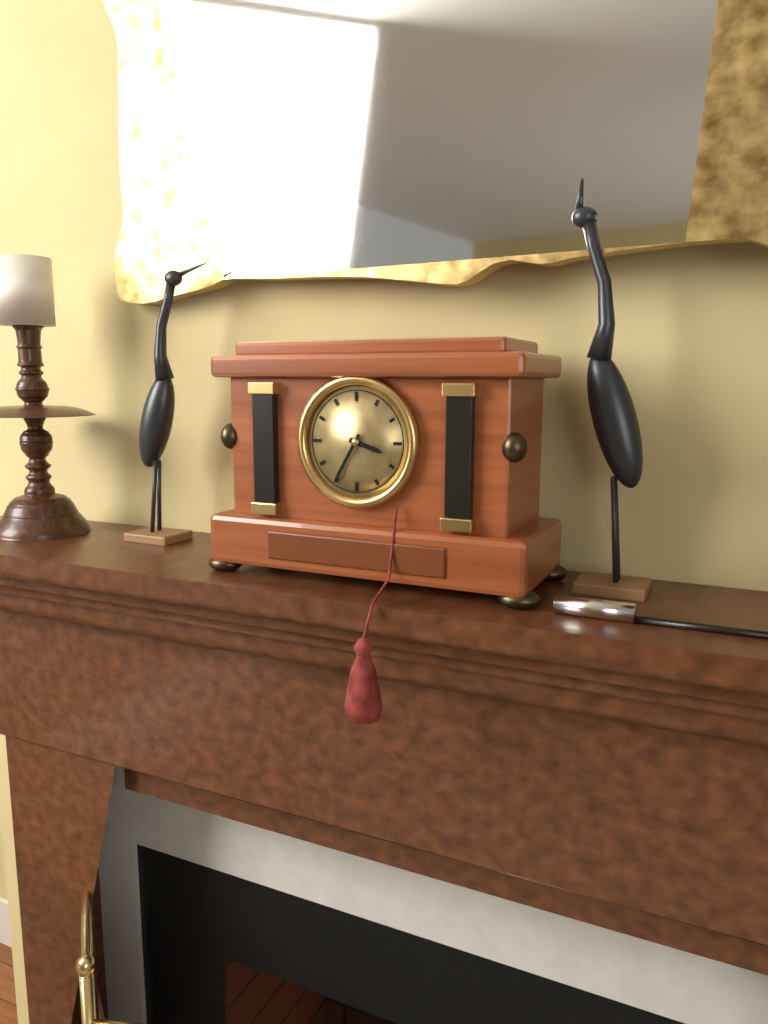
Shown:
3:35
